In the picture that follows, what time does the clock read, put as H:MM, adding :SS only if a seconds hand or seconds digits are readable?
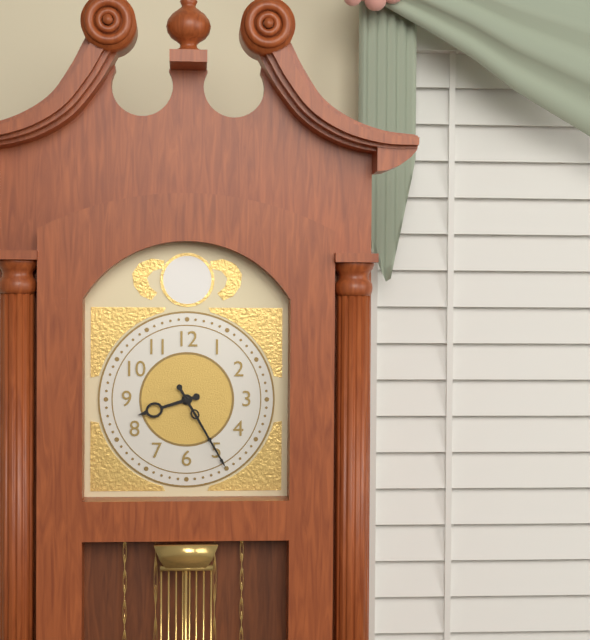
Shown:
8:25
